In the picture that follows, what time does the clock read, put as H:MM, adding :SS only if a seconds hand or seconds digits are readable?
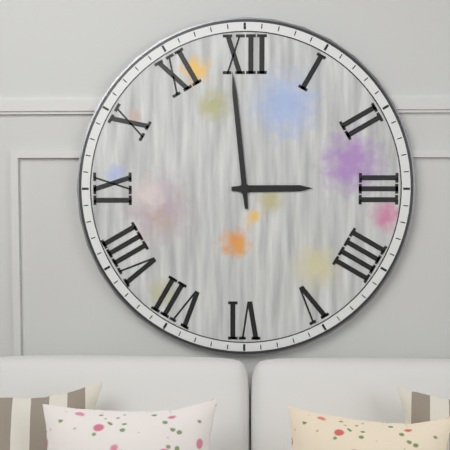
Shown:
2:59
